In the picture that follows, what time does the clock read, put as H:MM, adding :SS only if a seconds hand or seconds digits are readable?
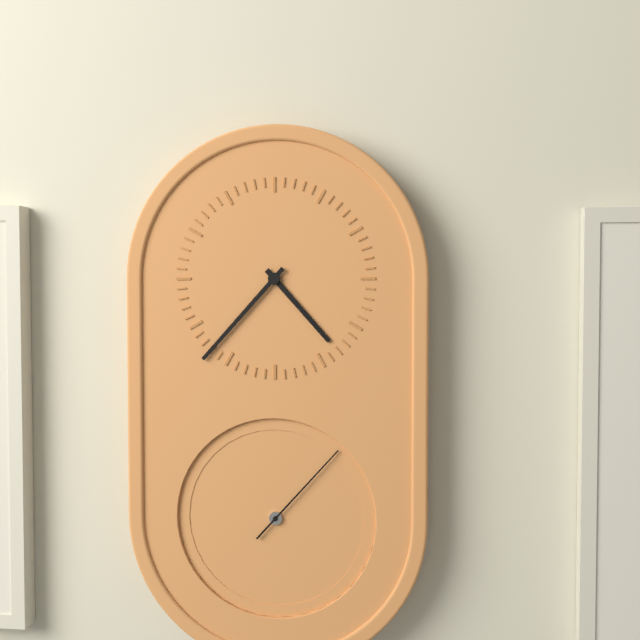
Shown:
4:37:07
